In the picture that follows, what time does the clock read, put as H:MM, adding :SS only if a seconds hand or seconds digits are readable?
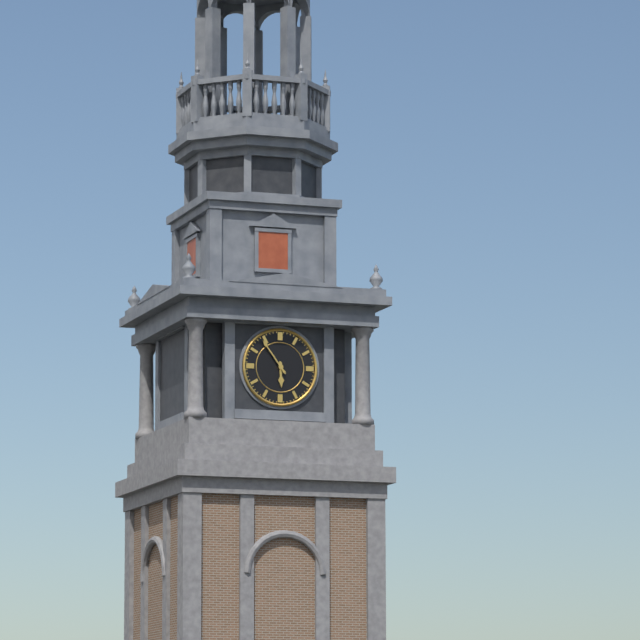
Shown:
5:54
